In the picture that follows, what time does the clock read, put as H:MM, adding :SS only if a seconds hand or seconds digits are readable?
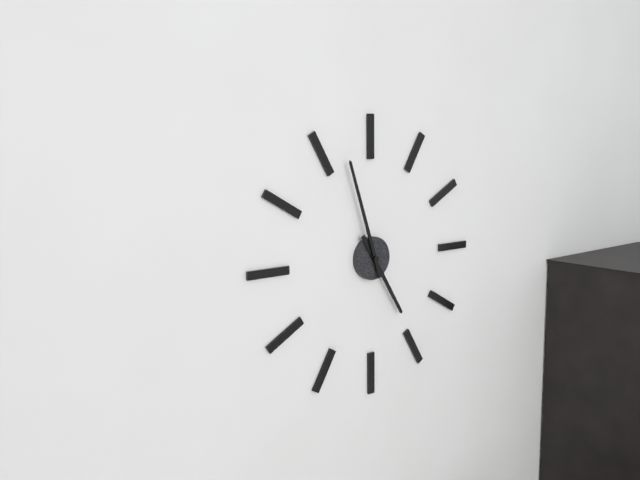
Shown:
4:57
